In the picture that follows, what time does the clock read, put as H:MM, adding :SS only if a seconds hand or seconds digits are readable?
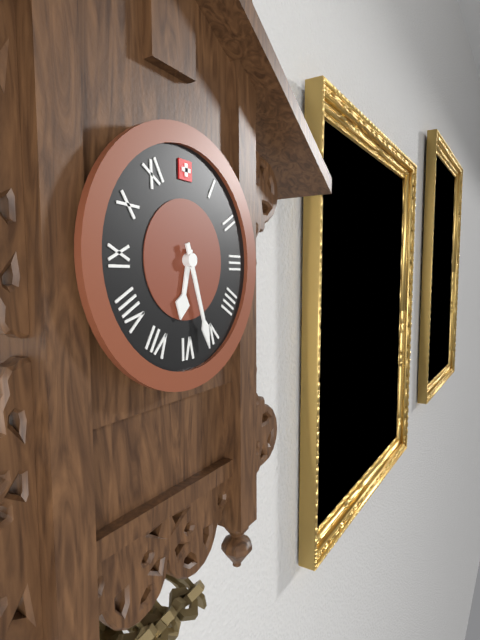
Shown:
6:27
